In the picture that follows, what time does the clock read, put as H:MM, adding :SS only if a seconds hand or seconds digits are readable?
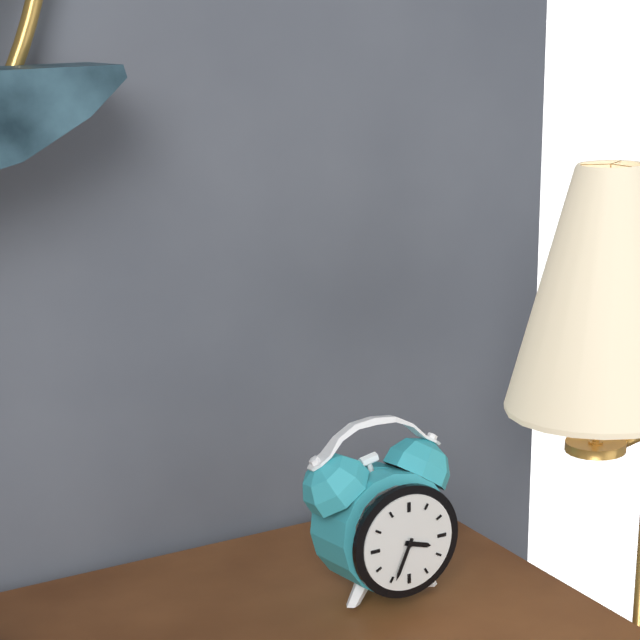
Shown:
3:34
